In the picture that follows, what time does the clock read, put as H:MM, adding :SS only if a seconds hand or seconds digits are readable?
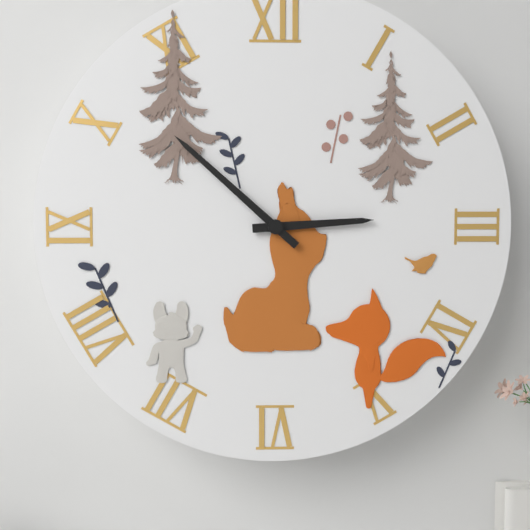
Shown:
2:52
